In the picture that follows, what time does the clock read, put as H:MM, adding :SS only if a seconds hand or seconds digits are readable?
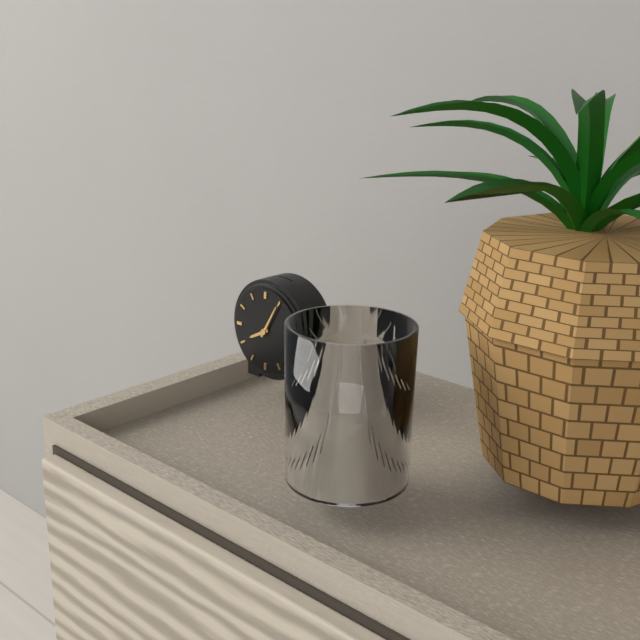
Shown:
8:05
